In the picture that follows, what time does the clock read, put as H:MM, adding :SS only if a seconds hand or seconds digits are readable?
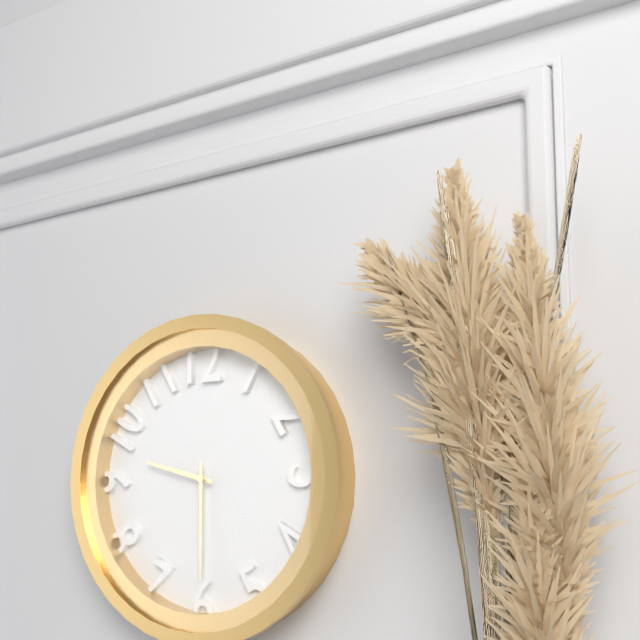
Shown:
9:30
